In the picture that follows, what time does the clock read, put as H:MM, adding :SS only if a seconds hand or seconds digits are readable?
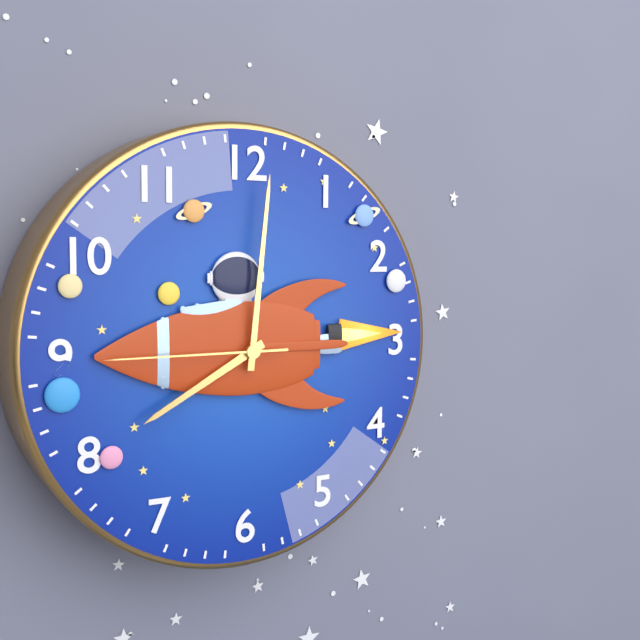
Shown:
8:01:45
